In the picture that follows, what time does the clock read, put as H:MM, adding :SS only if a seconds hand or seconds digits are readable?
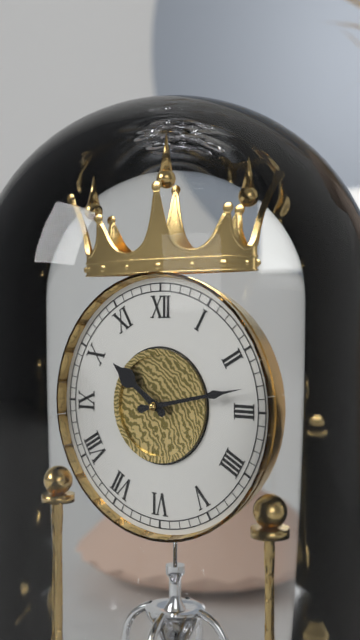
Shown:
10:13
